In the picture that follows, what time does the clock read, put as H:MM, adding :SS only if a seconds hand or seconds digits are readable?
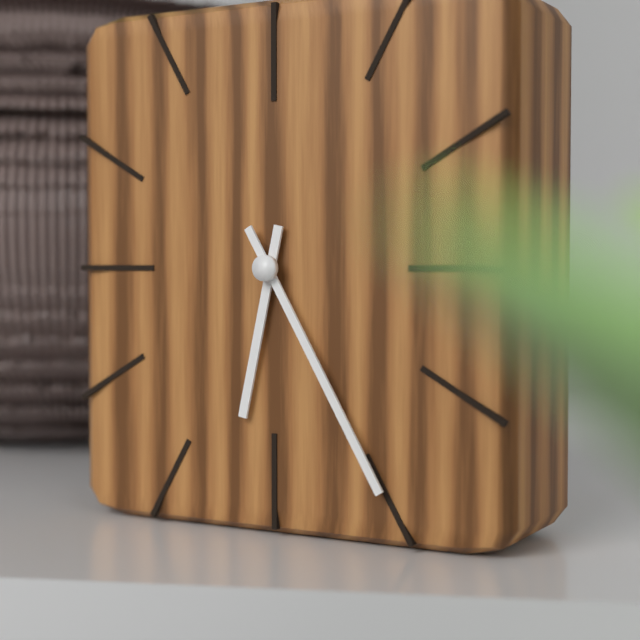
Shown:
6:25
